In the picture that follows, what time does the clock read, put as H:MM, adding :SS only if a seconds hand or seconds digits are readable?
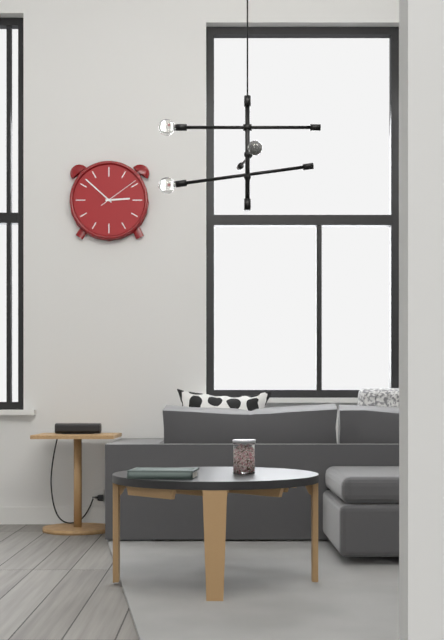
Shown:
2:52
